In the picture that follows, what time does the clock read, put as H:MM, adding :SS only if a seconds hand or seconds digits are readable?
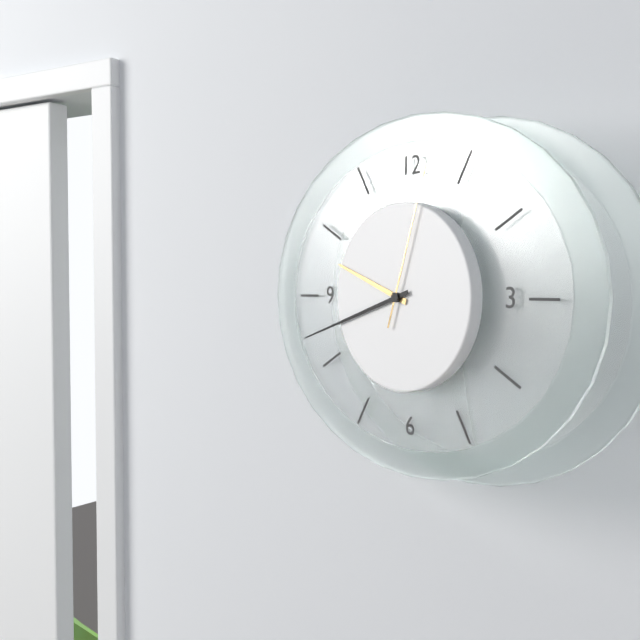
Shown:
9:42:03
